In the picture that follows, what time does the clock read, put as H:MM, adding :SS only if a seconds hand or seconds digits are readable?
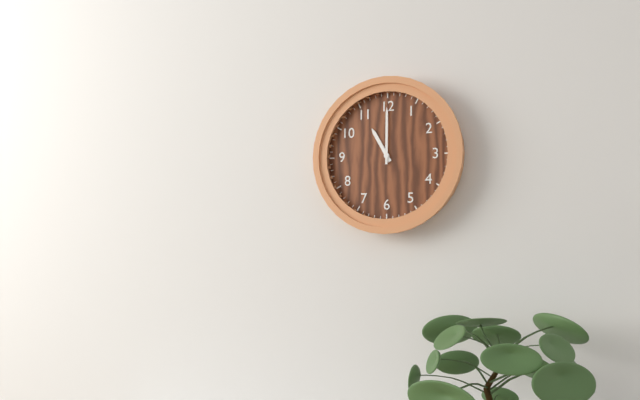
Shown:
11:00
